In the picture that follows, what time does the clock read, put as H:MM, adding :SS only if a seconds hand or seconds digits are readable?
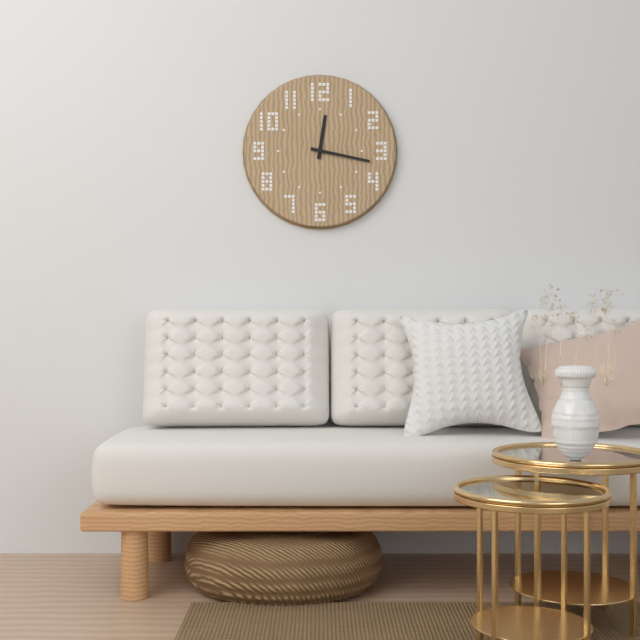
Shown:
12:17
